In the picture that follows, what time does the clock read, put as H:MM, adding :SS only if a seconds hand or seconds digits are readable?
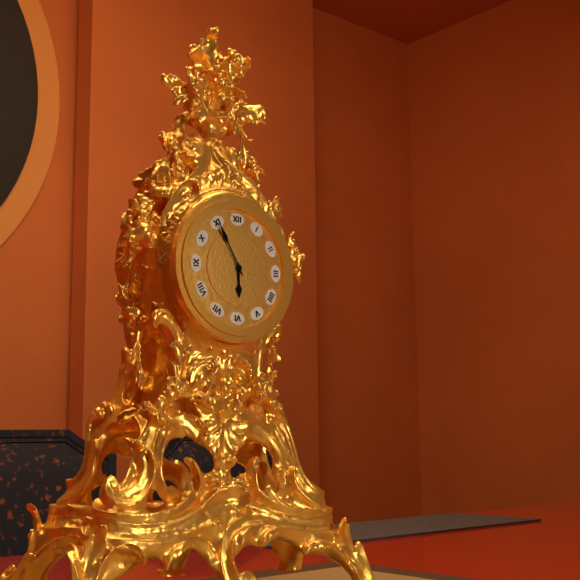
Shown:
5:55
